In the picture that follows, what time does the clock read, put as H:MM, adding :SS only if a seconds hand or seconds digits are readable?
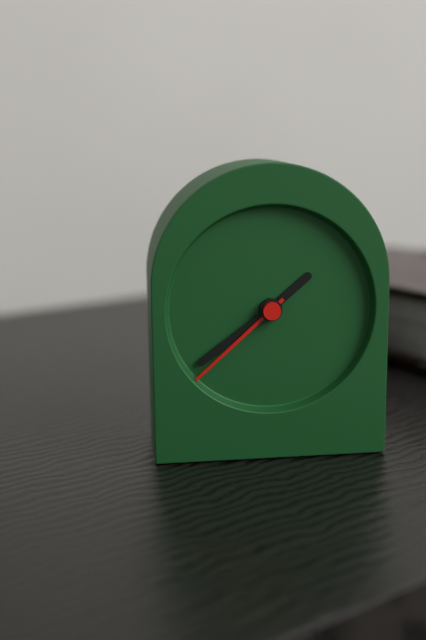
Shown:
1:39:38
